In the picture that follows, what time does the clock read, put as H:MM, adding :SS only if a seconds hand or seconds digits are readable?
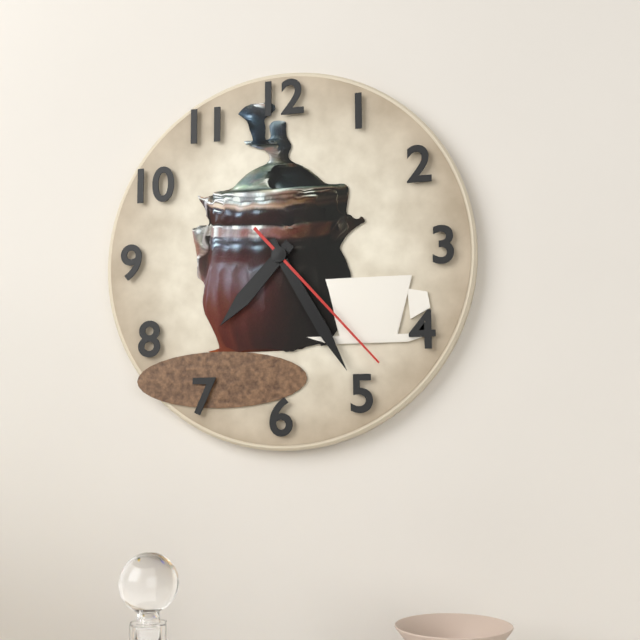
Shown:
7:25:23
